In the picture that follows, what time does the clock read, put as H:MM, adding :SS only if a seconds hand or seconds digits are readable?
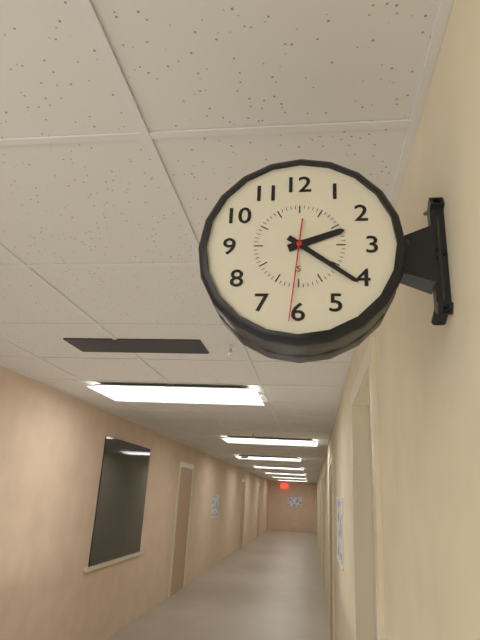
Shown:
2:21:31
